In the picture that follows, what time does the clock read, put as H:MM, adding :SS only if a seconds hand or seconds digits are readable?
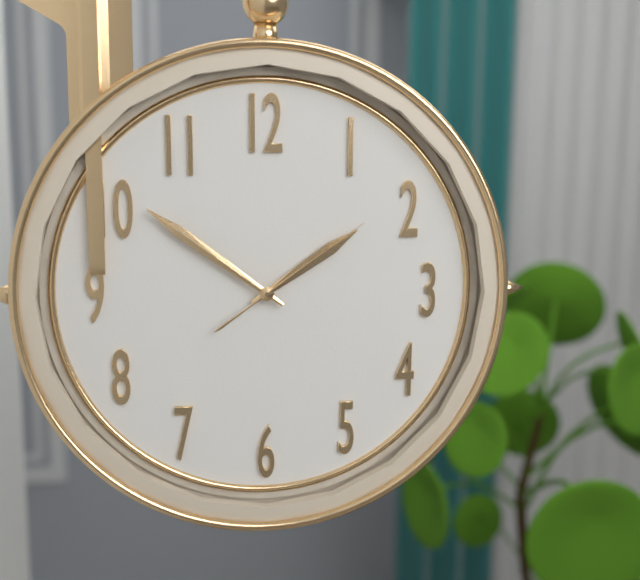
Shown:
1:51:09
